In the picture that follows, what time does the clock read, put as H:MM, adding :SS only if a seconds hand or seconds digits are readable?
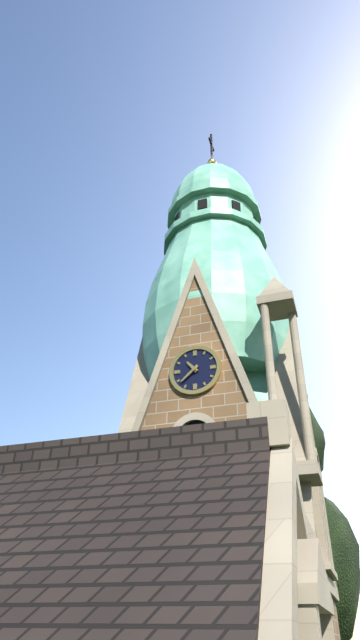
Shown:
10:38
